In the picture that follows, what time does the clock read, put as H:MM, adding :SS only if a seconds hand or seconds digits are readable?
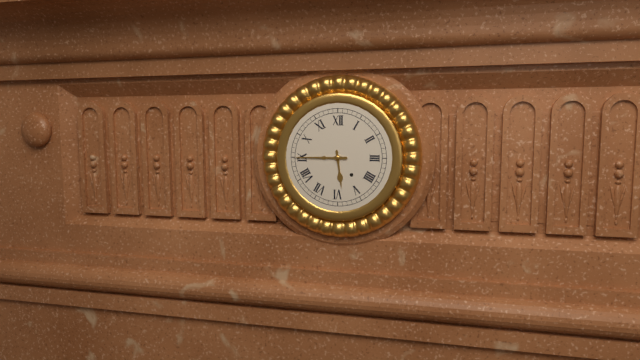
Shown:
5:45
